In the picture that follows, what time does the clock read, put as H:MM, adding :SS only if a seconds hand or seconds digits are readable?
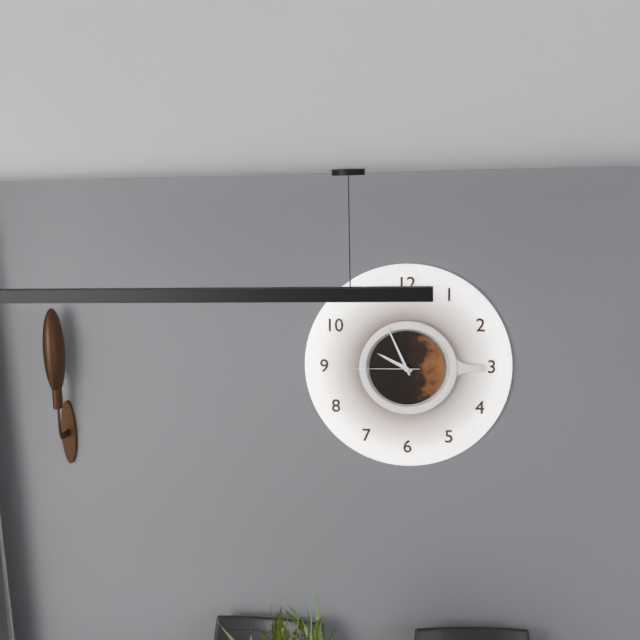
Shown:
9:56:45
